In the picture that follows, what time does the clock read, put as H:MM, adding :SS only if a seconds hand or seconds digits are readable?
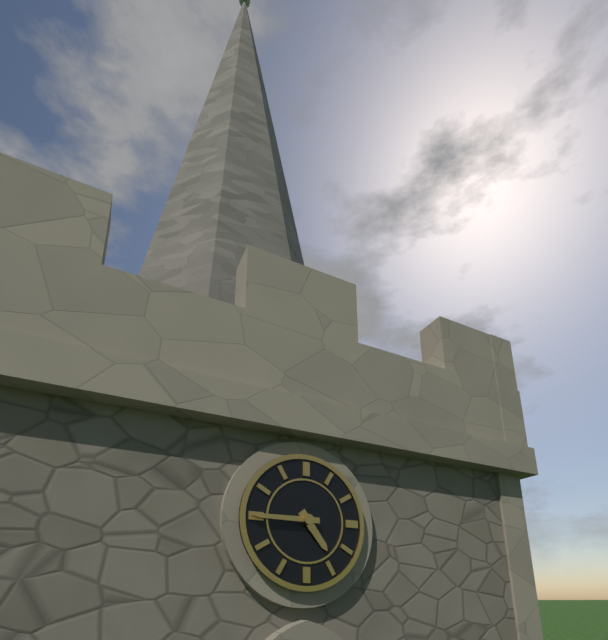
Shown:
4:45
